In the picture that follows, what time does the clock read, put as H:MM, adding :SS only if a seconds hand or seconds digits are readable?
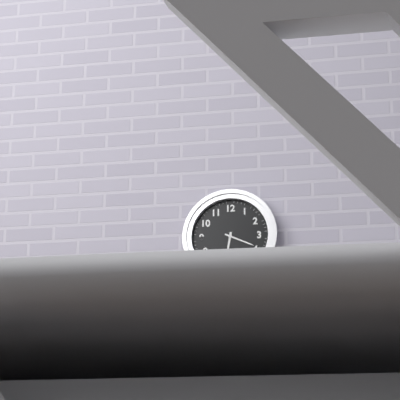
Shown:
6:19
